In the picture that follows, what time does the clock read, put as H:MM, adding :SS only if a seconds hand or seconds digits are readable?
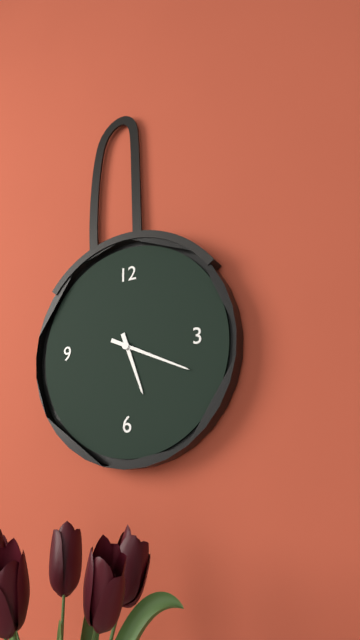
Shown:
5:19
